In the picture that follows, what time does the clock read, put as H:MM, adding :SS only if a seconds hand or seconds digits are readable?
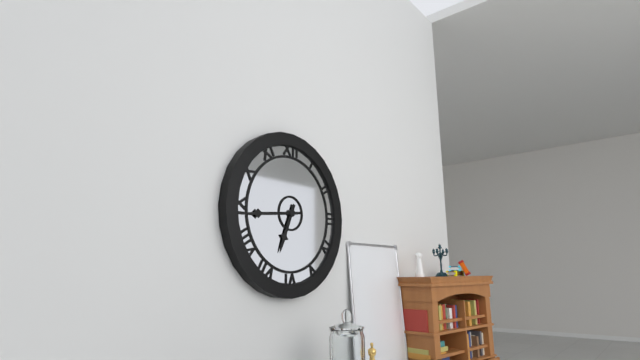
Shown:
6:44
